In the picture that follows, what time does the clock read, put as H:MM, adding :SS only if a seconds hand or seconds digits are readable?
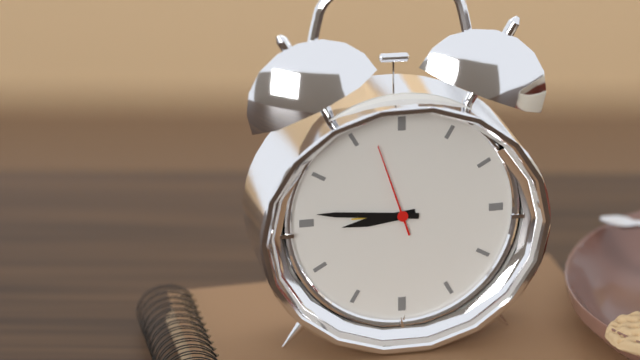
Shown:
8:46:57
